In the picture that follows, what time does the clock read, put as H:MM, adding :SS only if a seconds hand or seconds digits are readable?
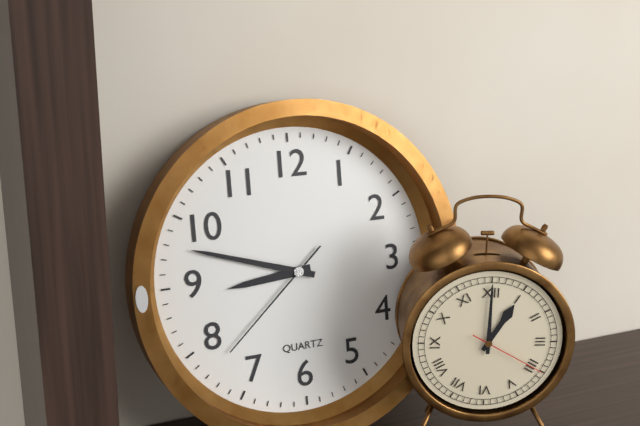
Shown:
8:48:38
